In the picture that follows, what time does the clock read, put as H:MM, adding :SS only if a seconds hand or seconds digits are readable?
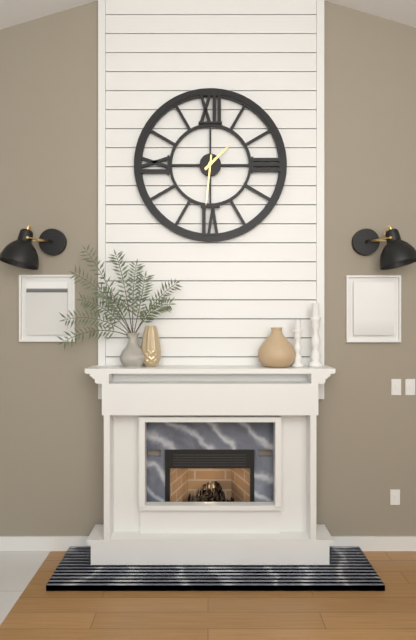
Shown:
1:31
